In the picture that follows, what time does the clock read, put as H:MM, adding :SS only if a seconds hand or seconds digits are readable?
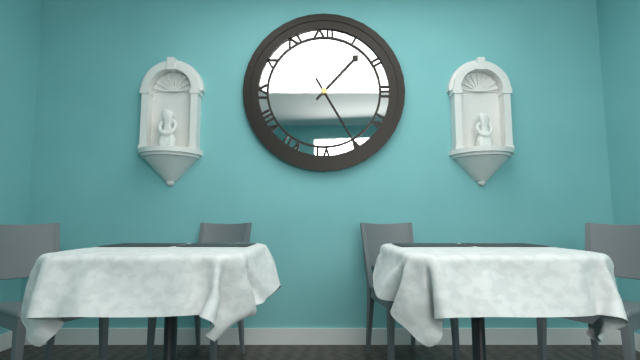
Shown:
1:25
